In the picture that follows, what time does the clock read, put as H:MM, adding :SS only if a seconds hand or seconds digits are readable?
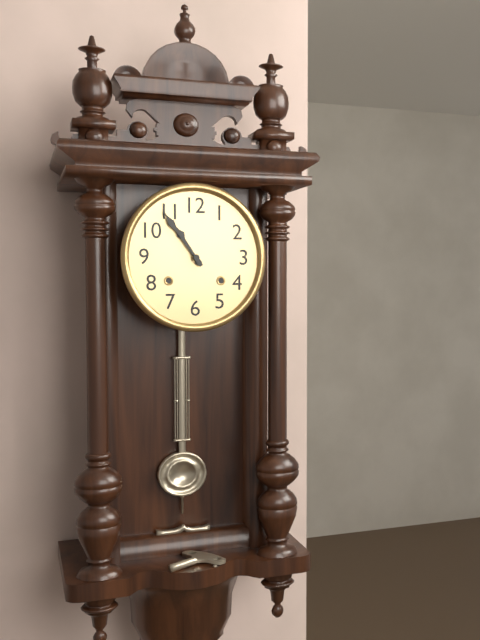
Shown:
10:54
